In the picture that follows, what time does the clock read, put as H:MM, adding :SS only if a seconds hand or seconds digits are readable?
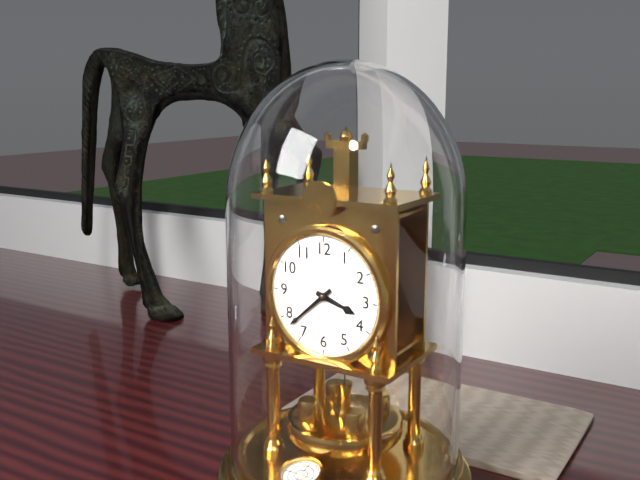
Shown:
3:38
